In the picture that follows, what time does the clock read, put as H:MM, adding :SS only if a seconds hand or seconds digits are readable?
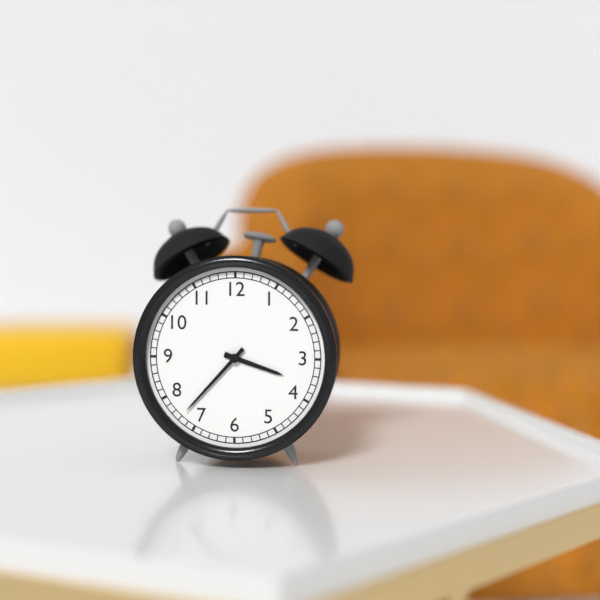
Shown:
3:37
